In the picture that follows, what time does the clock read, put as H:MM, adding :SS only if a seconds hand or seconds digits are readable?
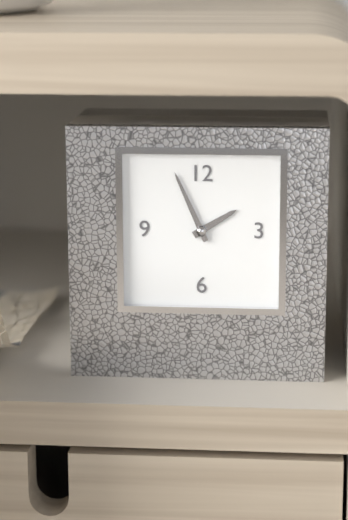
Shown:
1:56
